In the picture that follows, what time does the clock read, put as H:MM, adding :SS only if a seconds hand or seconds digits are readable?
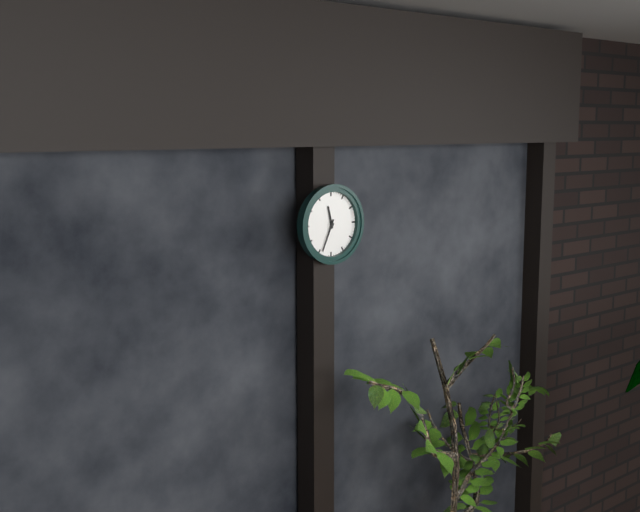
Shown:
11:34
